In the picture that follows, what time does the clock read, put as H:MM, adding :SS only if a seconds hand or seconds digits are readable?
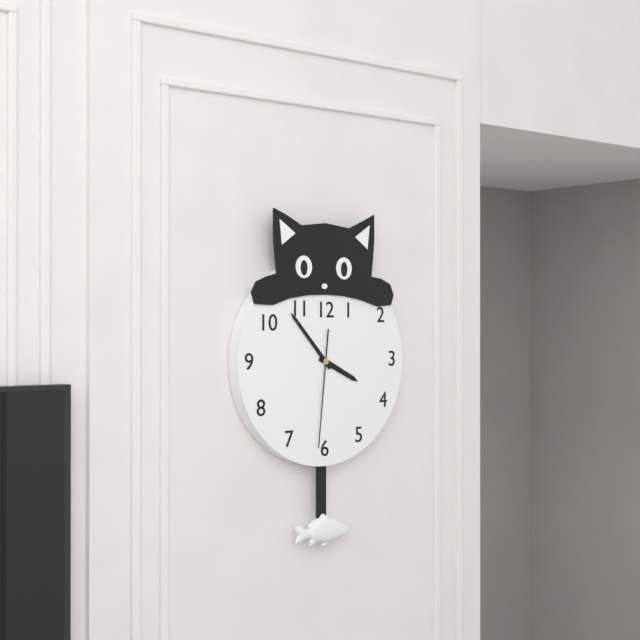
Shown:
3:53:31
